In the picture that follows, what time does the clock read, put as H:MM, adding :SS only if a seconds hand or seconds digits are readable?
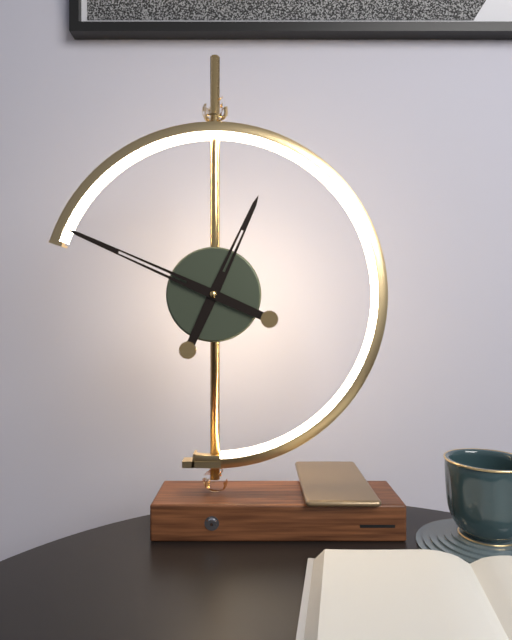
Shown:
12:49
